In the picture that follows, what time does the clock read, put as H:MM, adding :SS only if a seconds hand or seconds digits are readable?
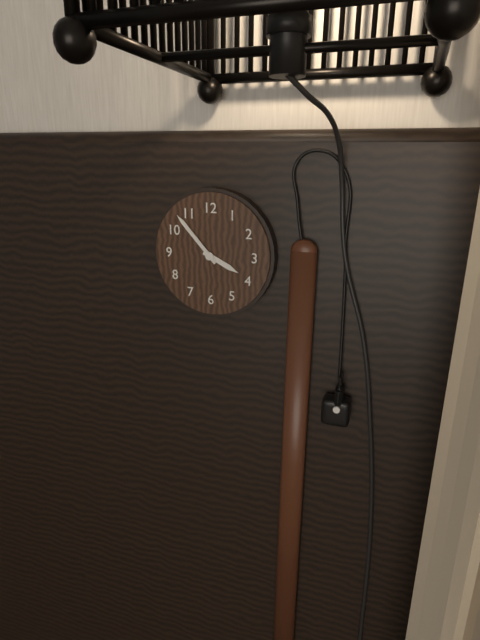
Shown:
3:53
